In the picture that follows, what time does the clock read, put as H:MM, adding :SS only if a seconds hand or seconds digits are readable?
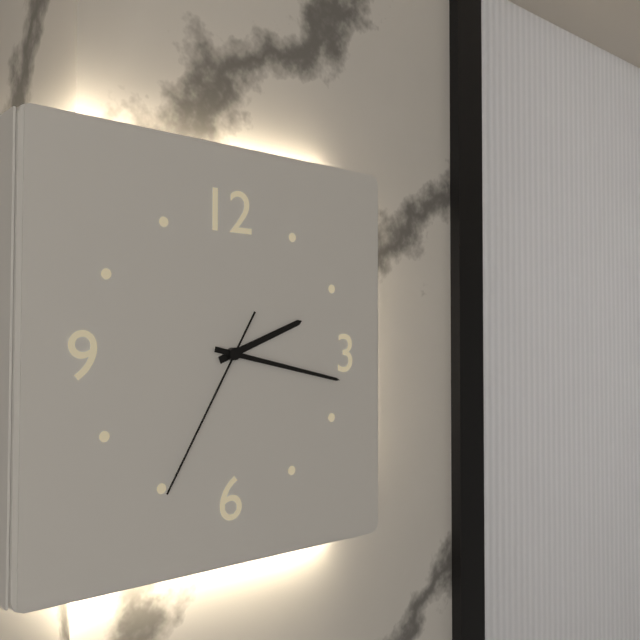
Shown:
2:17:35
